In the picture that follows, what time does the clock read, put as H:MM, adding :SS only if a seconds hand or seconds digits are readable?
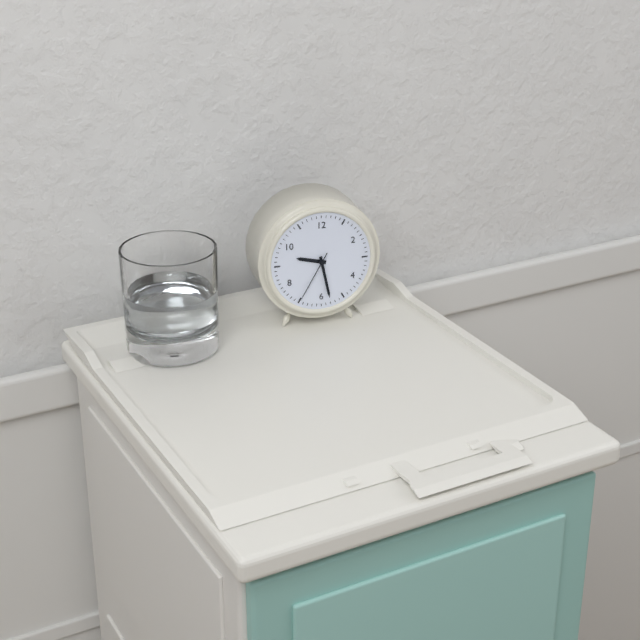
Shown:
9:28:35
